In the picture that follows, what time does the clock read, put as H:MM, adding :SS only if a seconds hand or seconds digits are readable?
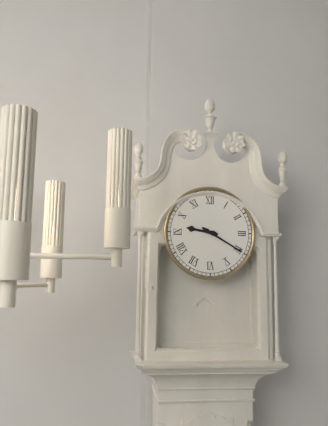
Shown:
9:20
